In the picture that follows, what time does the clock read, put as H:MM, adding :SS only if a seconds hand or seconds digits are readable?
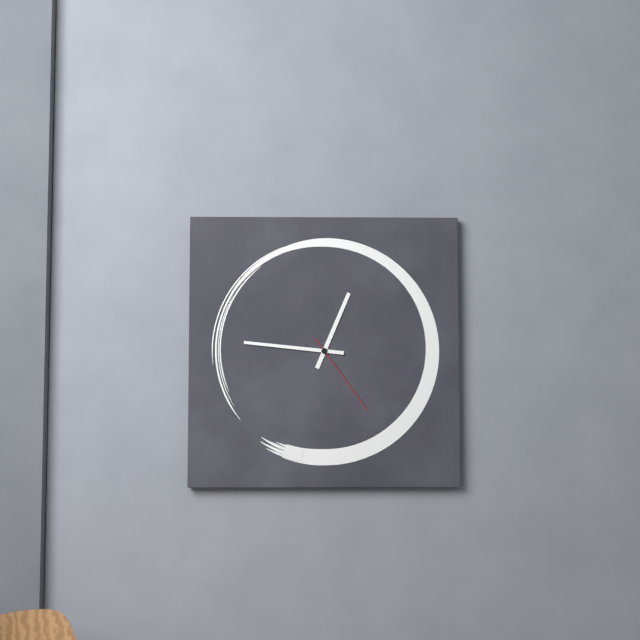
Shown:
12:46:24
